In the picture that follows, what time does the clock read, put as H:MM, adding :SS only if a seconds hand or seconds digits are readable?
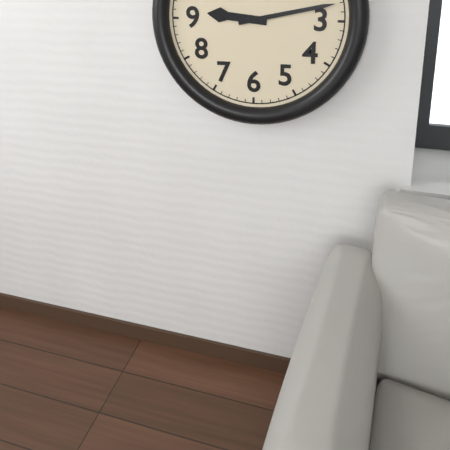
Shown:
9:13
